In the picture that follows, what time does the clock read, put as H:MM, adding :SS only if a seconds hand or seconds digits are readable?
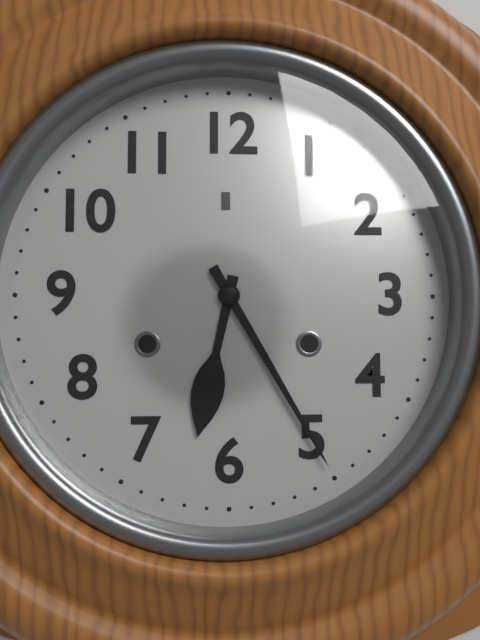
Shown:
6:25
